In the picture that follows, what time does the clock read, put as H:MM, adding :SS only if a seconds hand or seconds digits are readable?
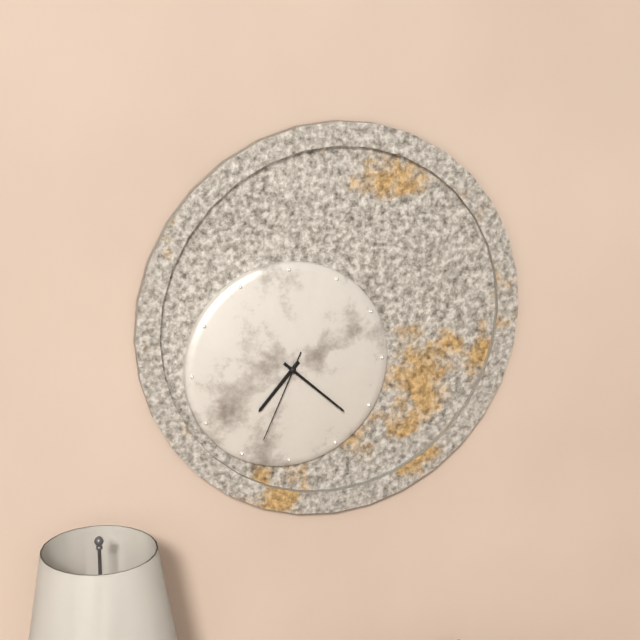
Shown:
7:22:34
